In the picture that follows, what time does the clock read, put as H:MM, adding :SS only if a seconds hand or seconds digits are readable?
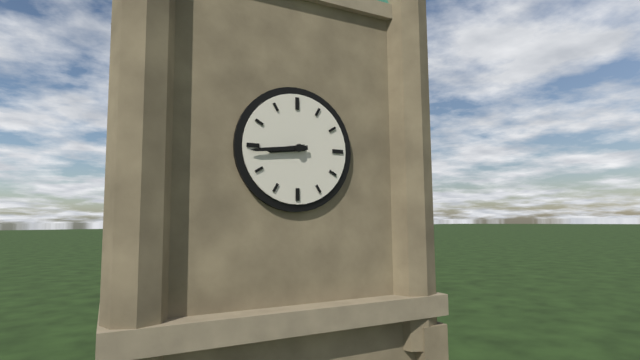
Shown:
8:44
